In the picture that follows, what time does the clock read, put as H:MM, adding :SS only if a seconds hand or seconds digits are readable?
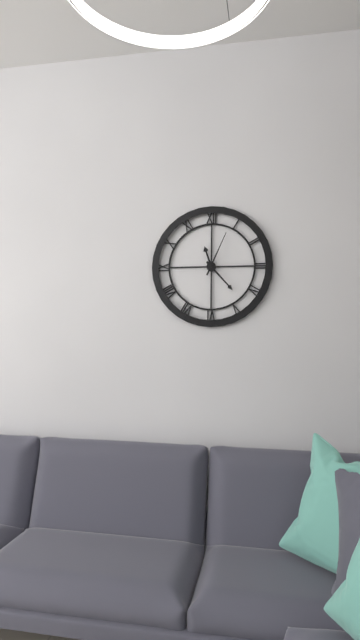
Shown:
11:23
